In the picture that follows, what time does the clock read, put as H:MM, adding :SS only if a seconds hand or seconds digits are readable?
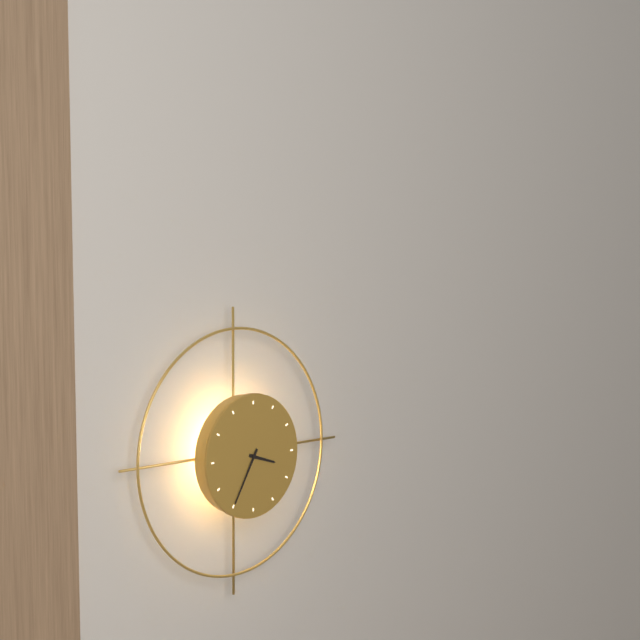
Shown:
3:35
